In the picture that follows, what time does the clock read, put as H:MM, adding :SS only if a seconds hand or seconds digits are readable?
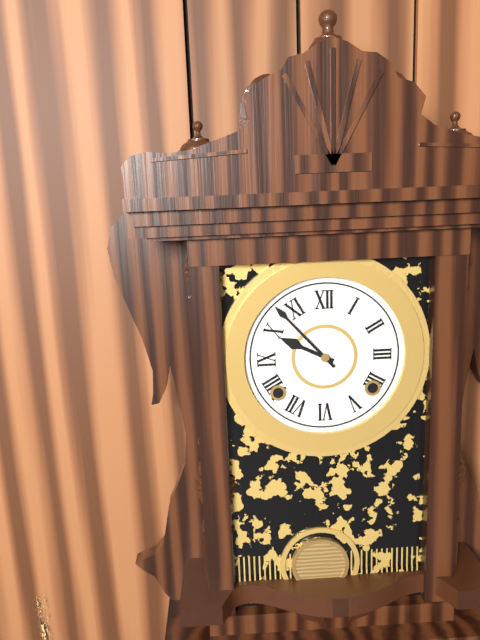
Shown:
9:53
